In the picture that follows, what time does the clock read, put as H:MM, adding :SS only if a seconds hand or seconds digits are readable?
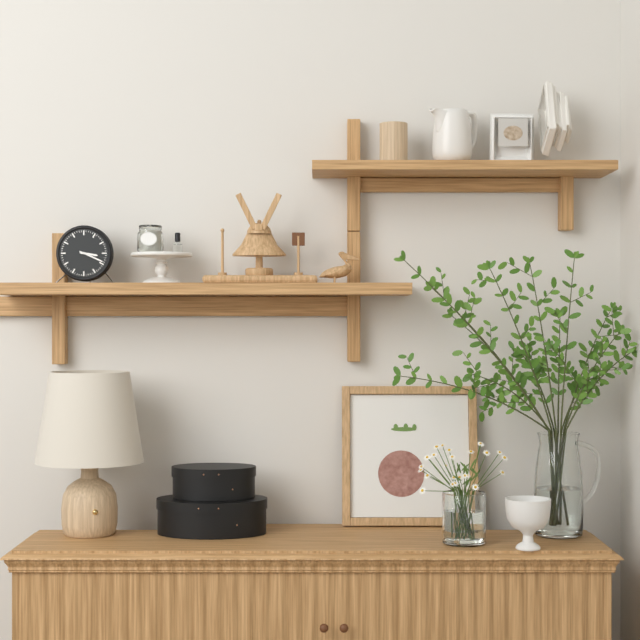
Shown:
3:19
